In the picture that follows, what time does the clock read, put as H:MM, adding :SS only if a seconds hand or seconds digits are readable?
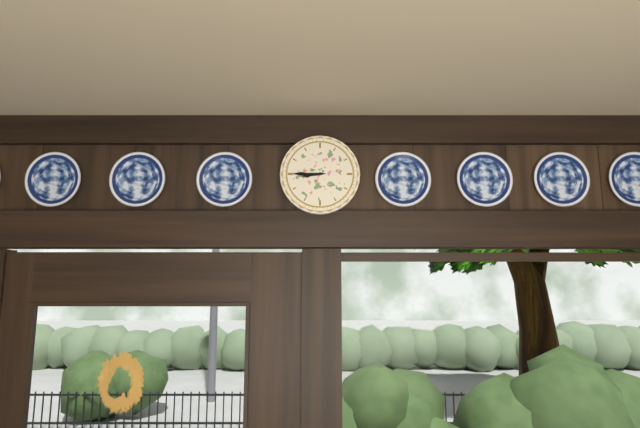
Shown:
8:45
